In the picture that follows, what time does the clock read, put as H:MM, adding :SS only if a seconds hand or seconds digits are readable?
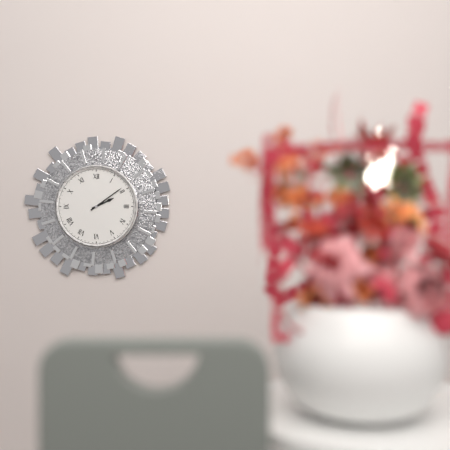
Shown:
2:09
